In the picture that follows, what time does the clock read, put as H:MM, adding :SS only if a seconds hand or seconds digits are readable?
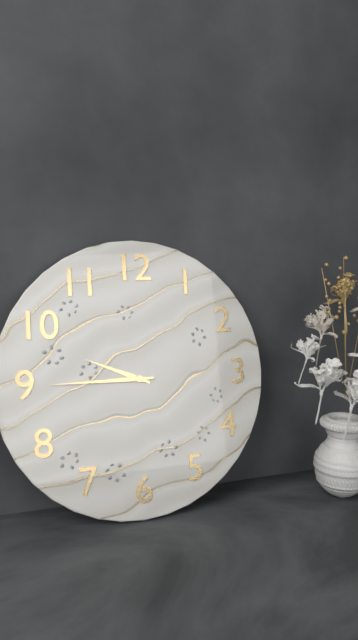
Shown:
9:45
